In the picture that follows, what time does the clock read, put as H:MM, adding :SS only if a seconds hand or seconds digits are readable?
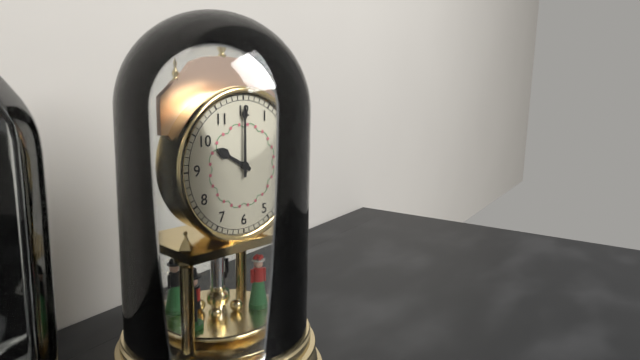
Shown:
10:00
